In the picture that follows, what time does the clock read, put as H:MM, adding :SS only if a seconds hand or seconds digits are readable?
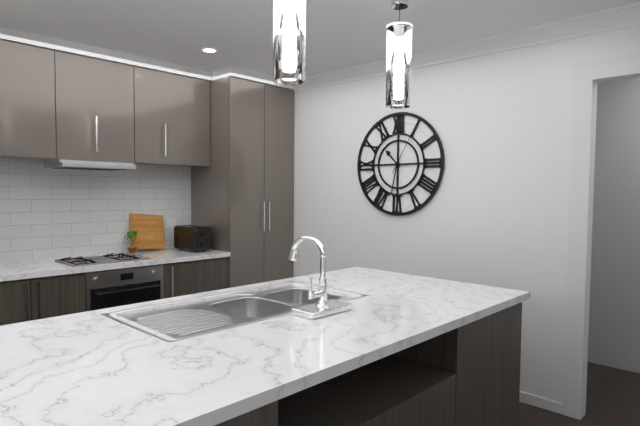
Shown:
10:32:05
